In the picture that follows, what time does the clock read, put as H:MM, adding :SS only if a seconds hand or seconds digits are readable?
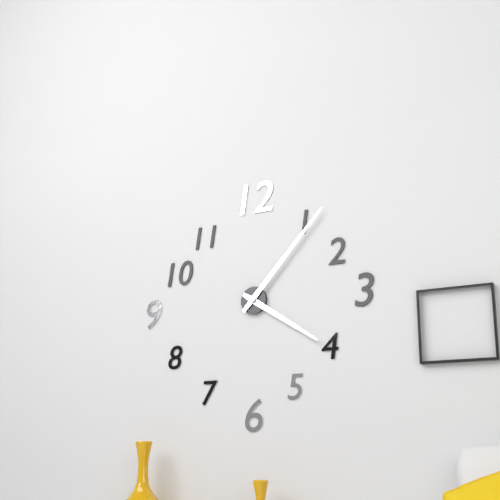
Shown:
4:07
